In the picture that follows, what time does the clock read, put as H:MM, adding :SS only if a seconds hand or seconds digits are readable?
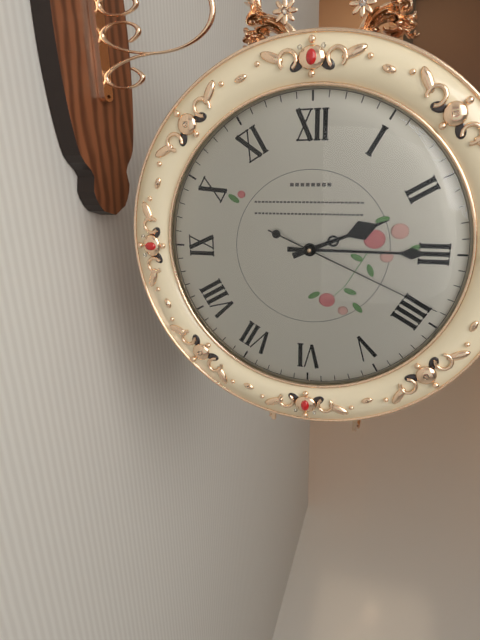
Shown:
2:15:19
